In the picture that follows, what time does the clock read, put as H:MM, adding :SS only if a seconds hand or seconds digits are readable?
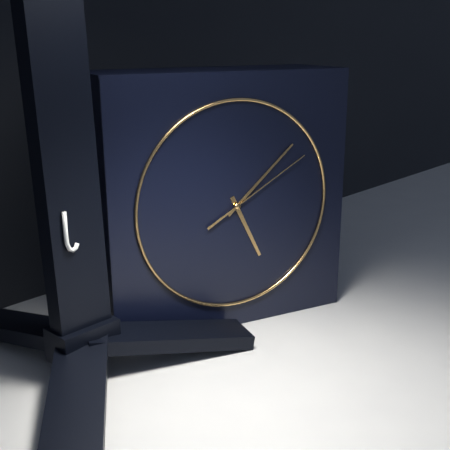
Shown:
5:08:10
